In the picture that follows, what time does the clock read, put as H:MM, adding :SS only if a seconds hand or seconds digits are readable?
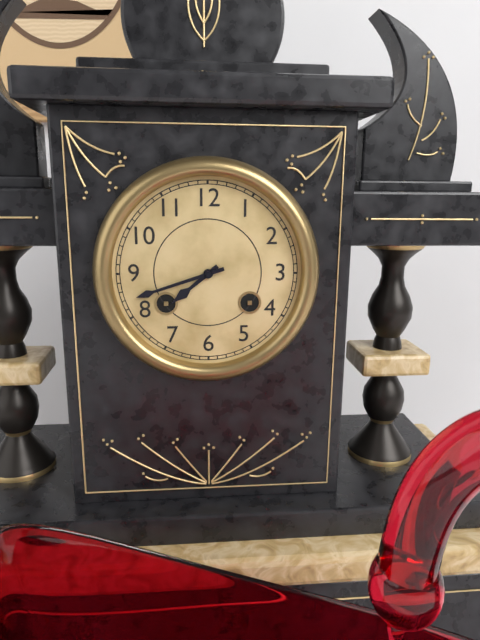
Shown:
7:42
